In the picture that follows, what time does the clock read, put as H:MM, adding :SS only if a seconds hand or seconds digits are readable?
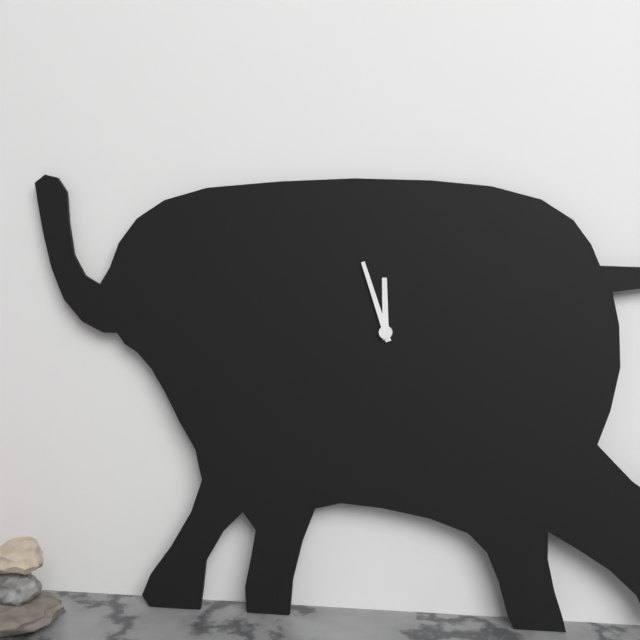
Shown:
11:57
